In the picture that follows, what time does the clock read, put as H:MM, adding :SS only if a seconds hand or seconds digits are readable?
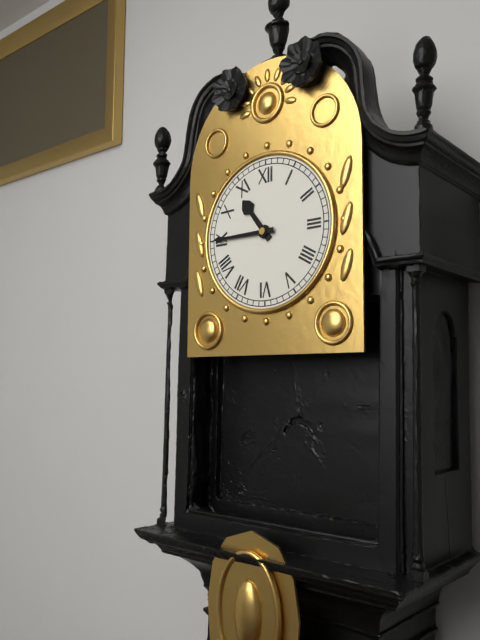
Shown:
10:45
